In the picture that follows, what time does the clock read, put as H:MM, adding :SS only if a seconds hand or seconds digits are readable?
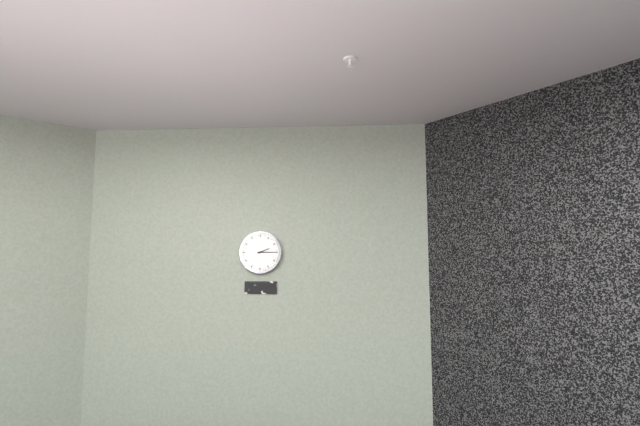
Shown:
2:15
